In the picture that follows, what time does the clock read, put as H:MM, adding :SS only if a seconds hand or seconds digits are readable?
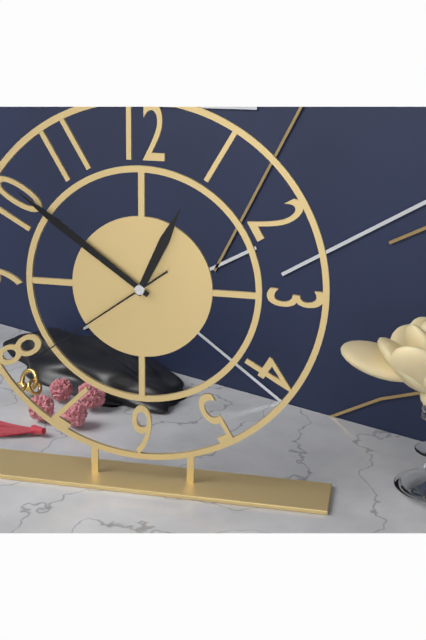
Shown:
12:51:39
